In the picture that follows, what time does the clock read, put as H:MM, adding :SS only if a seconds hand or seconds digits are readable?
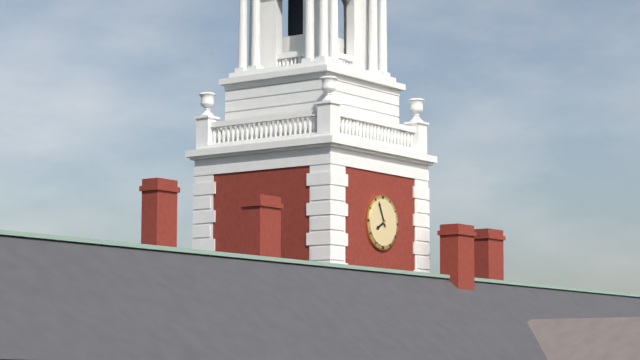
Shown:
7:56
